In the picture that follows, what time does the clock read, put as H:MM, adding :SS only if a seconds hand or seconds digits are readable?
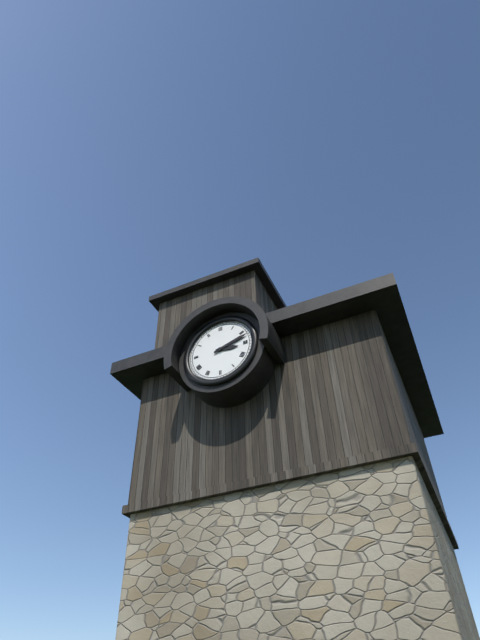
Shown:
3:12
